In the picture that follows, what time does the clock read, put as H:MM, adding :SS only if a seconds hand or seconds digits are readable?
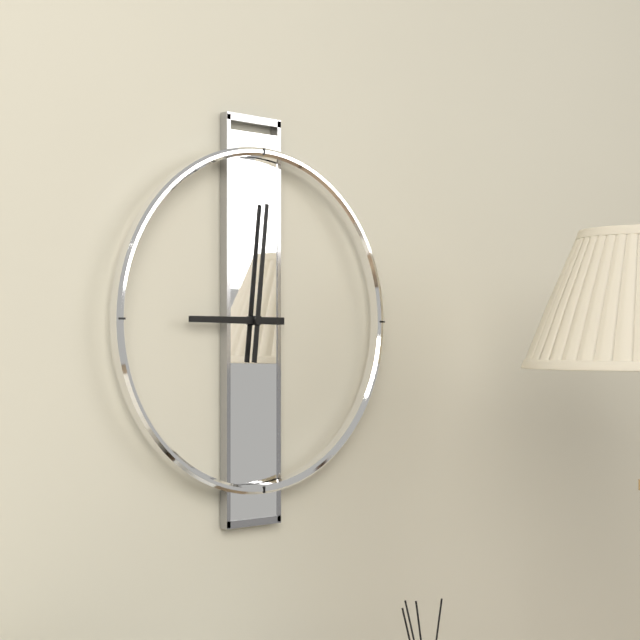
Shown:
9:01
